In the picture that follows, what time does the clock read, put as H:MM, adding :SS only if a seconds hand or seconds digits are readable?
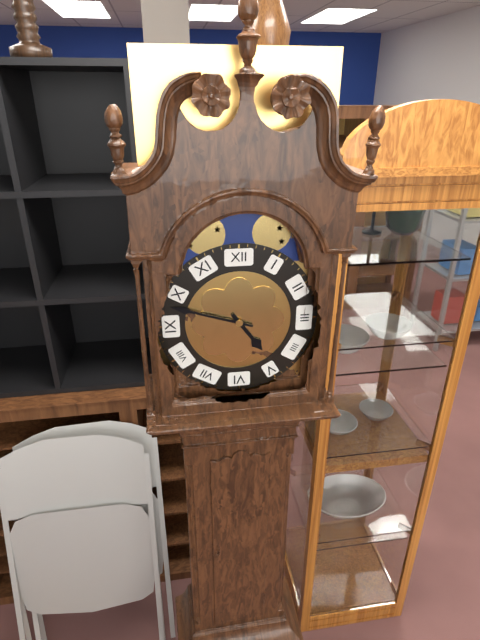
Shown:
4:48
